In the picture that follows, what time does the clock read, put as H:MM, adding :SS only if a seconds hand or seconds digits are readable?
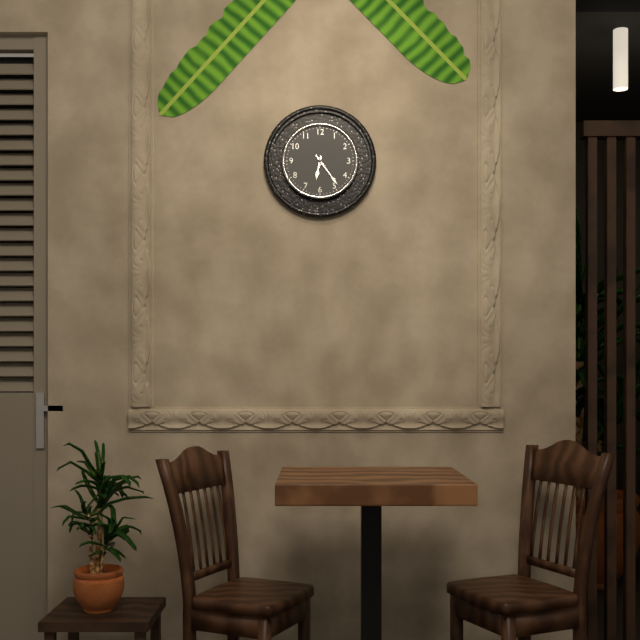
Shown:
6:24
